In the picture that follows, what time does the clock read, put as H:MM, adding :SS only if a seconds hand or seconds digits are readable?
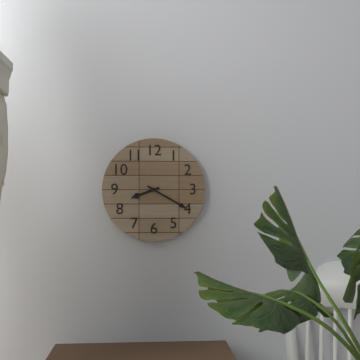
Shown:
8:20
